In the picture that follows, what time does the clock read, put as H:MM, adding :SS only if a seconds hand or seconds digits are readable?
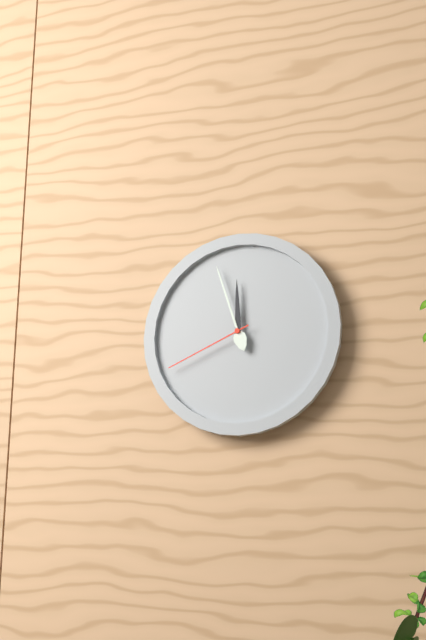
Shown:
11:57:41
